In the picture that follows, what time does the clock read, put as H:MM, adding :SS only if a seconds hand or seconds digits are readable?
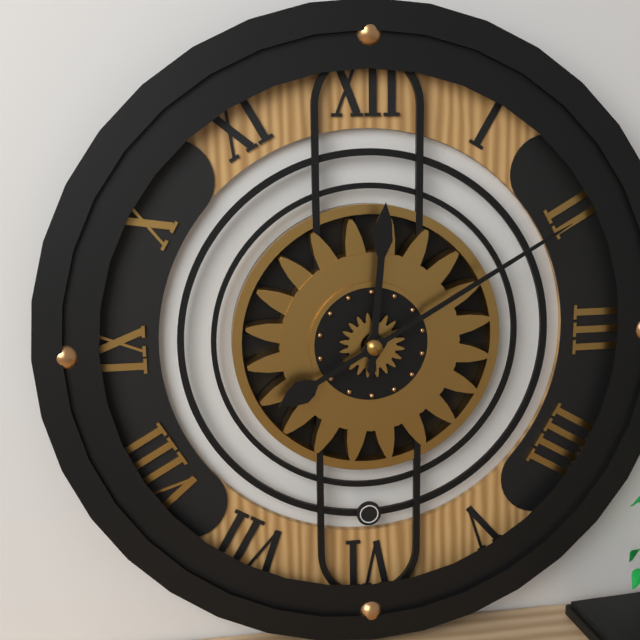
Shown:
12:10
